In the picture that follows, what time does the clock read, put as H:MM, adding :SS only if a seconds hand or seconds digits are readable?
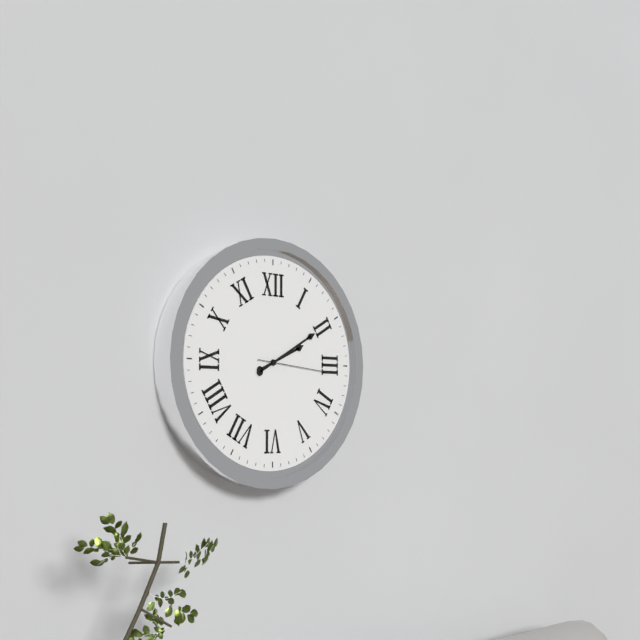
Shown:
2:10:16
